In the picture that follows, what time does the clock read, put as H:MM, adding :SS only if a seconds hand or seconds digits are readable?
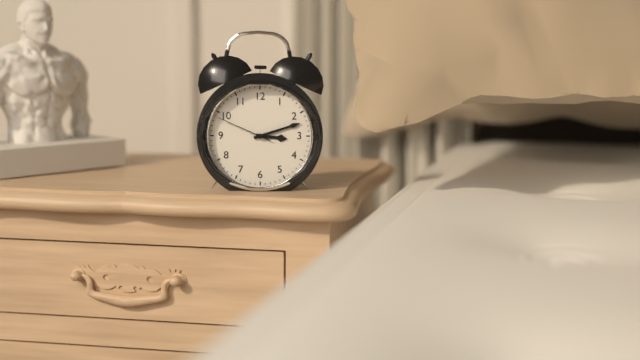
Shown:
3:12:49
